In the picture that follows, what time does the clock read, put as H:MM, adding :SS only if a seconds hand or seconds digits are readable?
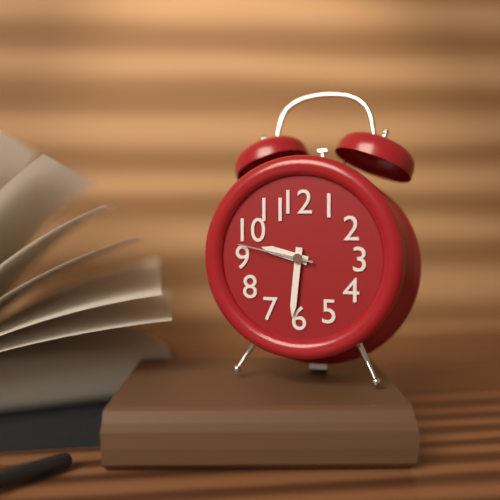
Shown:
9:31:47
